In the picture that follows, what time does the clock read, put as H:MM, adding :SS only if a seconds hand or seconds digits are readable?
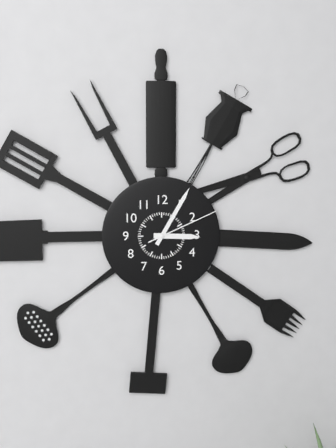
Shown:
3:05:11
